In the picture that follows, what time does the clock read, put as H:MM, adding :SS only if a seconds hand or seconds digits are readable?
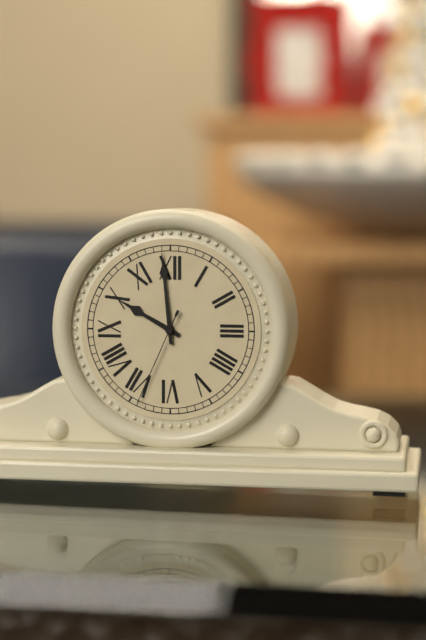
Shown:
9:59:34
